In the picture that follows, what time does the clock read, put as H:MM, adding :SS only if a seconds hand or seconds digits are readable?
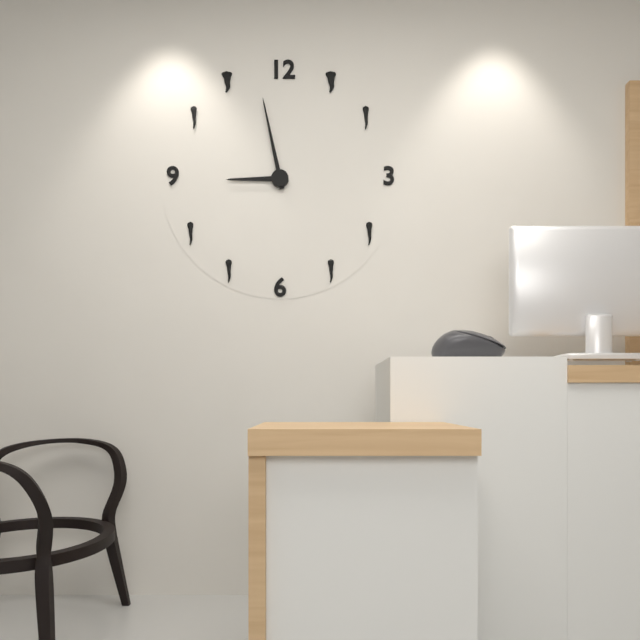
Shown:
8:58
